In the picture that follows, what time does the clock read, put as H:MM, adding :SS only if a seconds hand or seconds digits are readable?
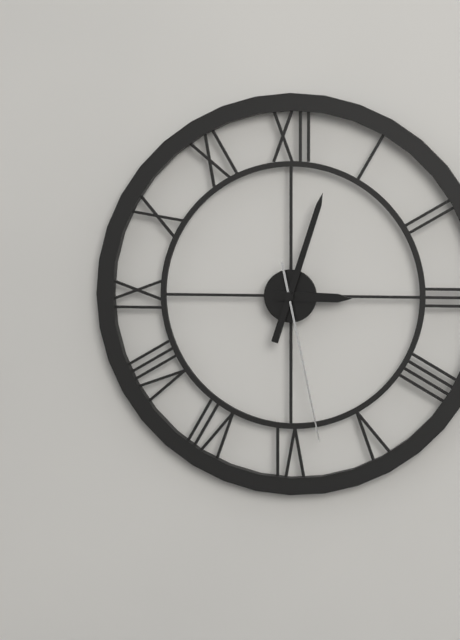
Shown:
3:03:28
